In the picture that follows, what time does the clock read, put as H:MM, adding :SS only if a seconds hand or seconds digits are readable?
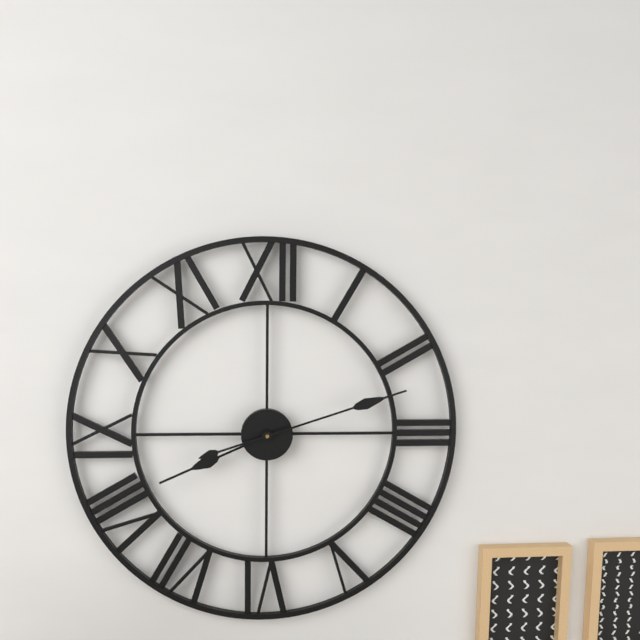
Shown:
8:12
